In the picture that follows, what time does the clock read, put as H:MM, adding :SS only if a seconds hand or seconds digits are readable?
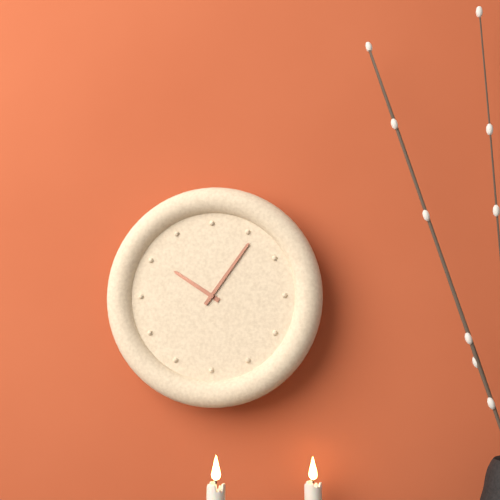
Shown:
10:06
